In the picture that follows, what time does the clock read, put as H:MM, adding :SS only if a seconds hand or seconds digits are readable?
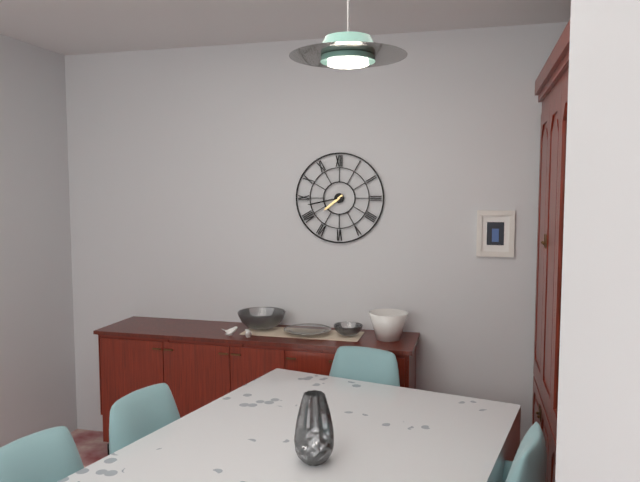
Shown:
7:43
